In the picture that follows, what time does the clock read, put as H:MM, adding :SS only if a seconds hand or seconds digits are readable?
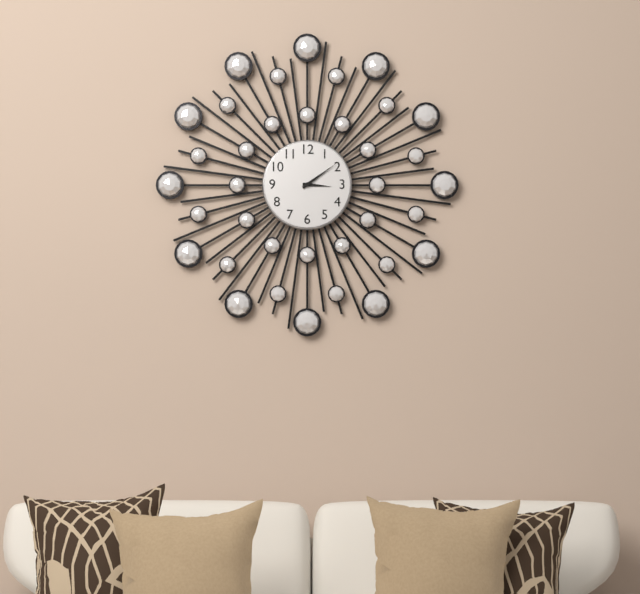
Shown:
3:09
